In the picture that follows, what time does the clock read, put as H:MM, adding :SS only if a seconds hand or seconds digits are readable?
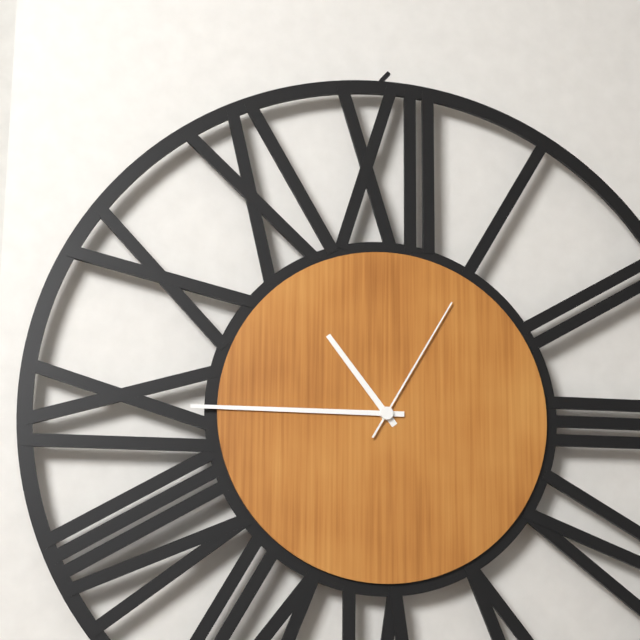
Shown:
10:45:05
